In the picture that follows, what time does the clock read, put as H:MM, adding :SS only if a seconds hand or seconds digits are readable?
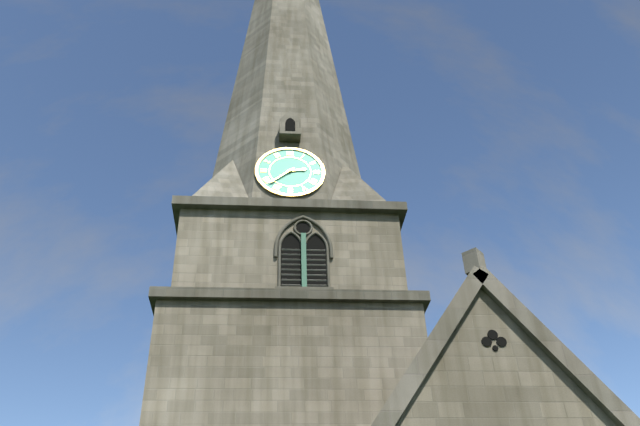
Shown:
2:38
